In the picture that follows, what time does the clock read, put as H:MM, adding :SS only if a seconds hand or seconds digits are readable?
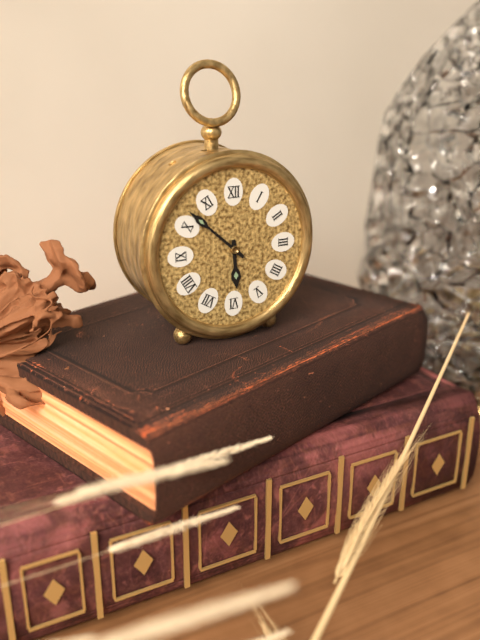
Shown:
5:52
